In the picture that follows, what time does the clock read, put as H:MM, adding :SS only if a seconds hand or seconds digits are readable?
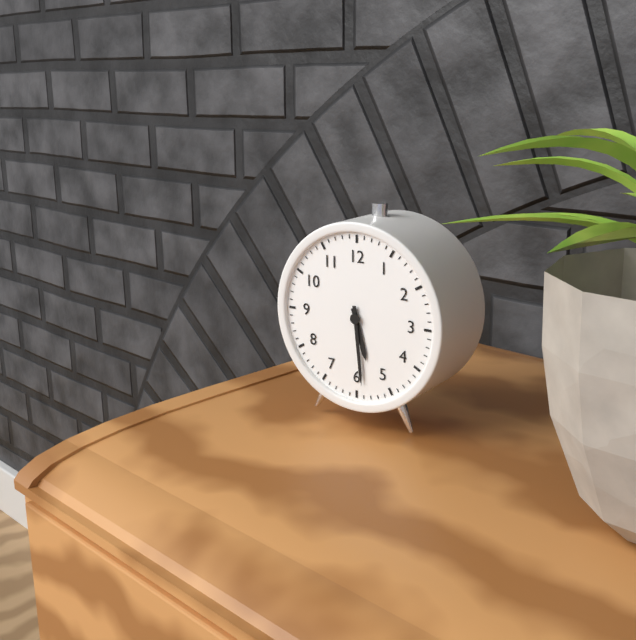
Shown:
5:29
